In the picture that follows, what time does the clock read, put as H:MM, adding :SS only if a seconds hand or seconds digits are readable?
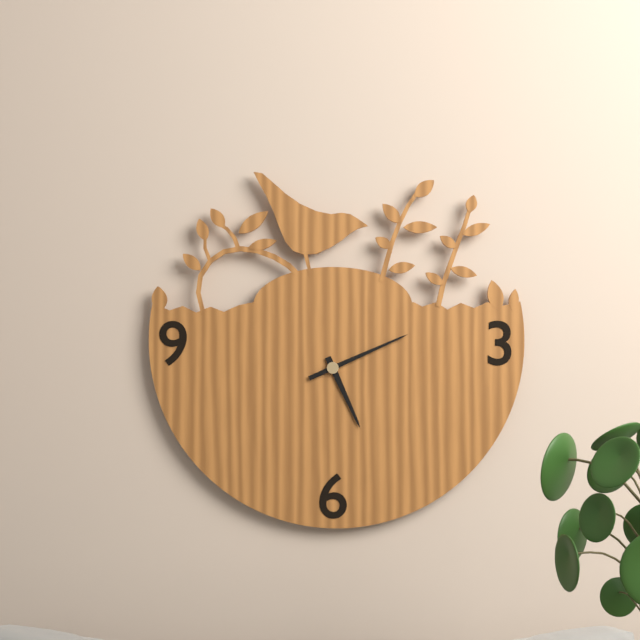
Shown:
5:11
